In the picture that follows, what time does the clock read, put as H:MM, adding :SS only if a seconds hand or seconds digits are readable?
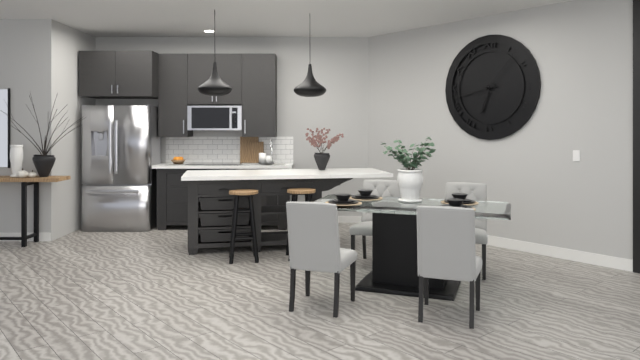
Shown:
6:43:07
